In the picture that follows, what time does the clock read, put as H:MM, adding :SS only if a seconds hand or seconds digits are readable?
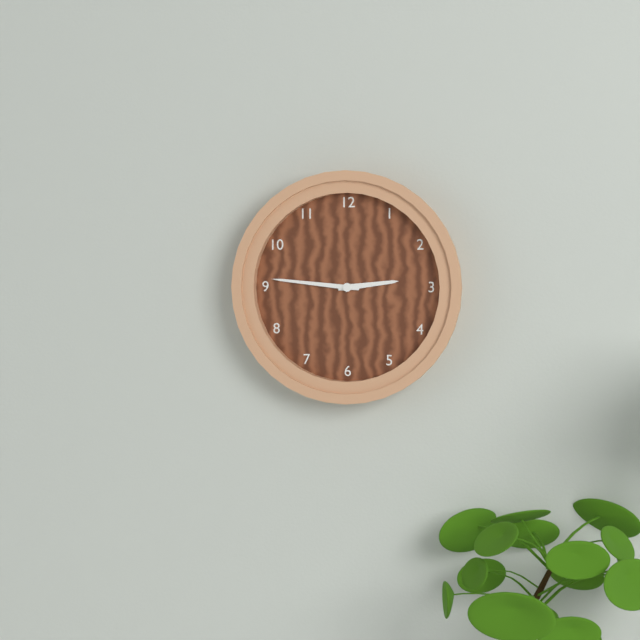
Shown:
2:46
